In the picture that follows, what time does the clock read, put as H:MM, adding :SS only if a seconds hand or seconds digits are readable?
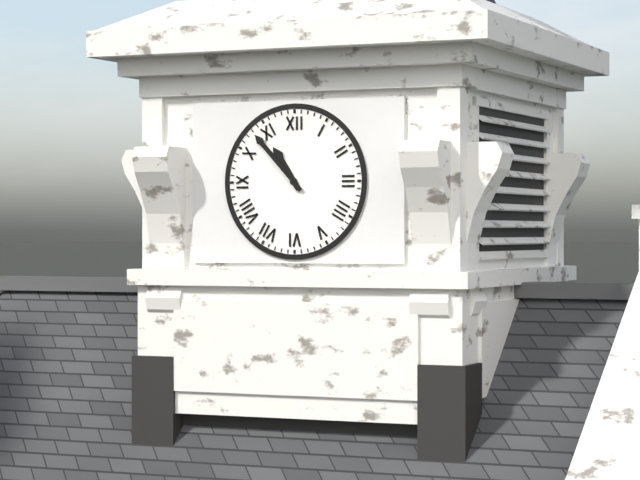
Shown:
10:53
